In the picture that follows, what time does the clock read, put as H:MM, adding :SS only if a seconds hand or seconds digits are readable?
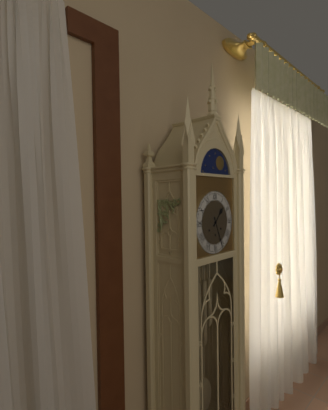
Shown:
1:26
